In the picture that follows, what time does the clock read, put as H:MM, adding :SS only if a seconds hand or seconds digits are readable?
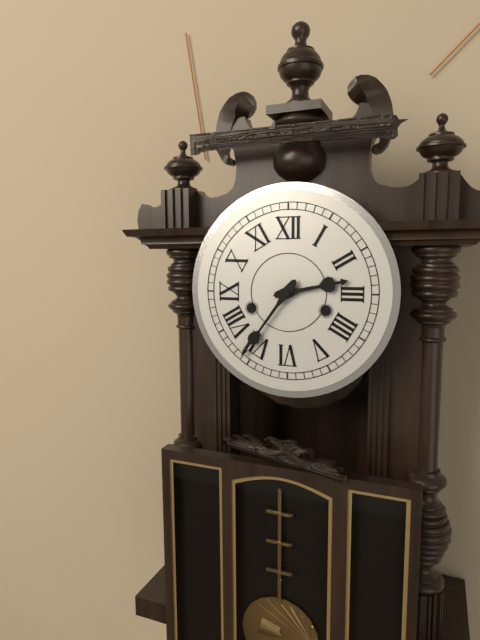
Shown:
2:36
